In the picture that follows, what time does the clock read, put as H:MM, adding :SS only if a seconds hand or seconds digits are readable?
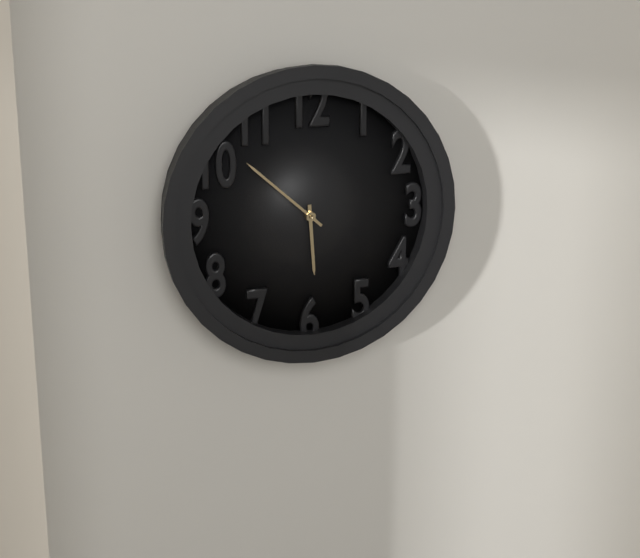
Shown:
5:52
